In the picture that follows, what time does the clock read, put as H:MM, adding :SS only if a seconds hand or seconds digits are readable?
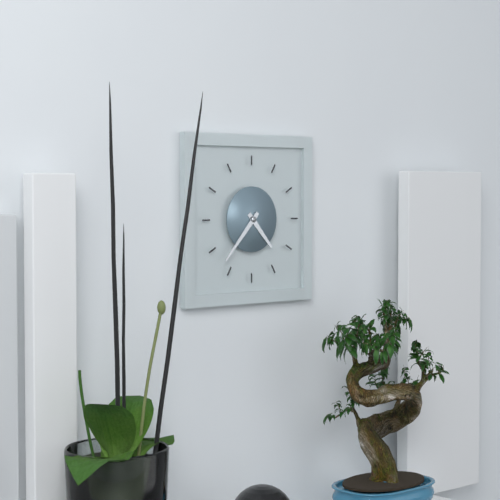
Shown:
4:37
